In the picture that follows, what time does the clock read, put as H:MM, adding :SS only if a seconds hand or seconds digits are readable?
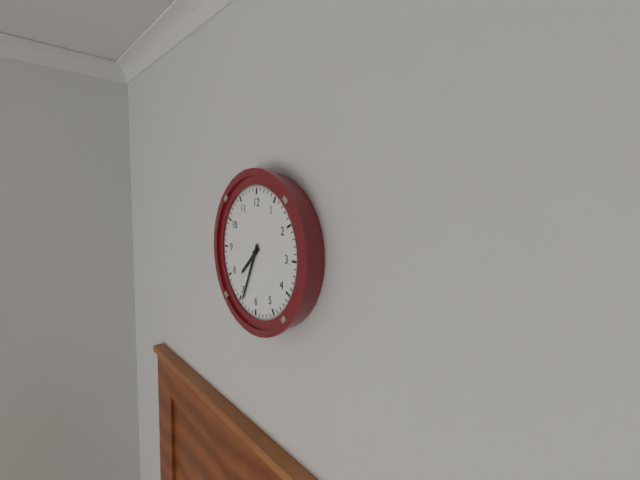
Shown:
7:34
